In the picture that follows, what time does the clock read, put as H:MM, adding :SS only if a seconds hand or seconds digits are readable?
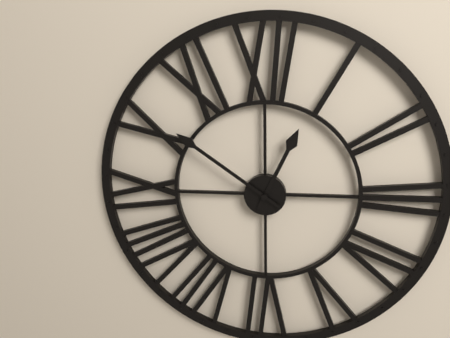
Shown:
12:51
